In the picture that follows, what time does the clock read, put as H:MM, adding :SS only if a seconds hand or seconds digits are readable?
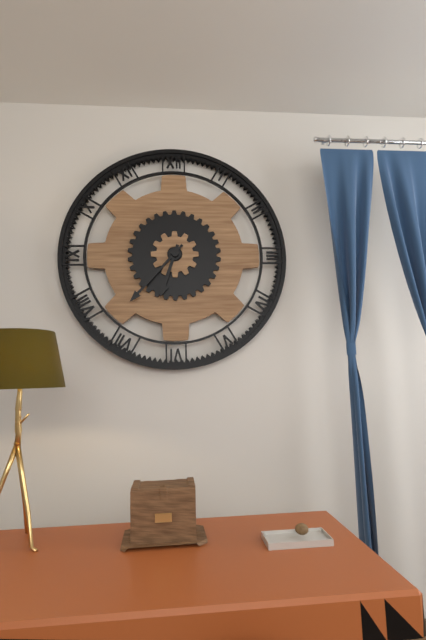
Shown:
6:37
